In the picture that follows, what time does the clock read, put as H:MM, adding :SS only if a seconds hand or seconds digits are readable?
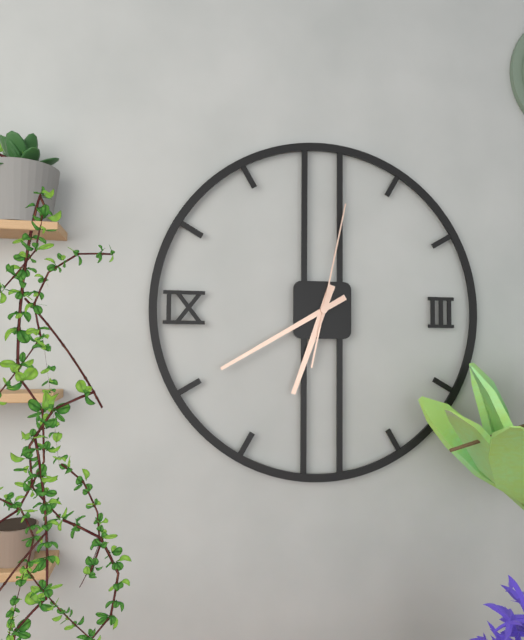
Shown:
6:40:02
